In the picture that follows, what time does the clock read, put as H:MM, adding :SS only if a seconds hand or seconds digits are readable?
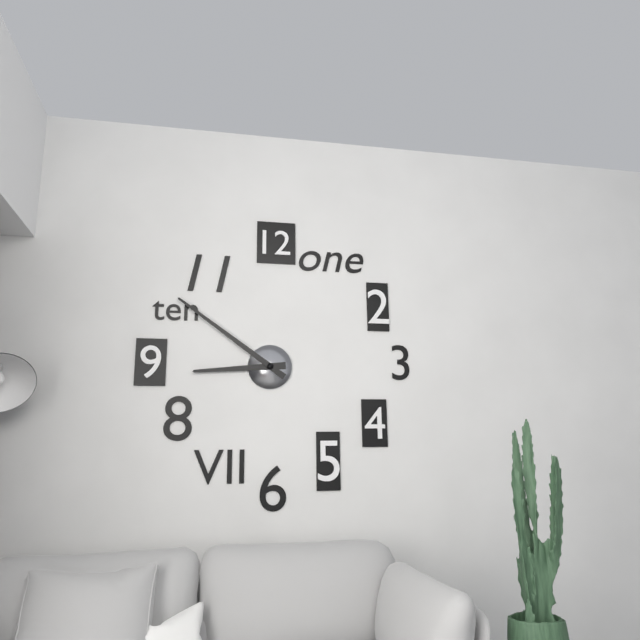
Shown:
8:51
